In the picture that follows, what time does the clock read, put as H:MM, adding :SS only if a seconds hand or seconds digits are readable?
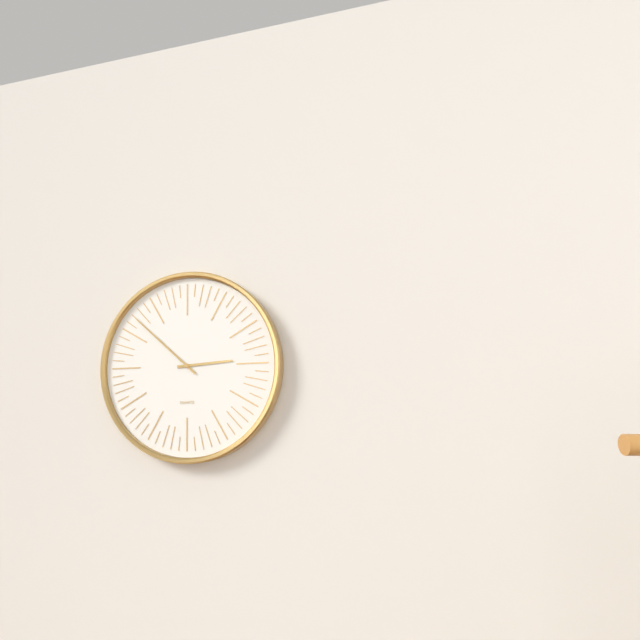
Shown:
2:52
